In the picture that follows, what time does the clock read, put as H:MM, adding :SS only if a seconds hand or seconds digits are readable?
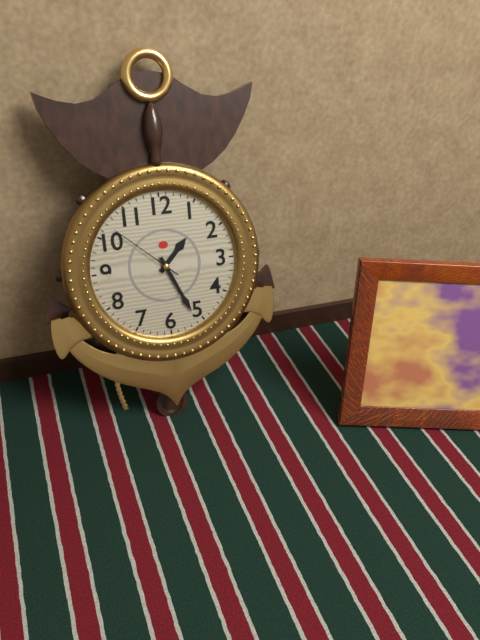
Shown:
1:26:52
